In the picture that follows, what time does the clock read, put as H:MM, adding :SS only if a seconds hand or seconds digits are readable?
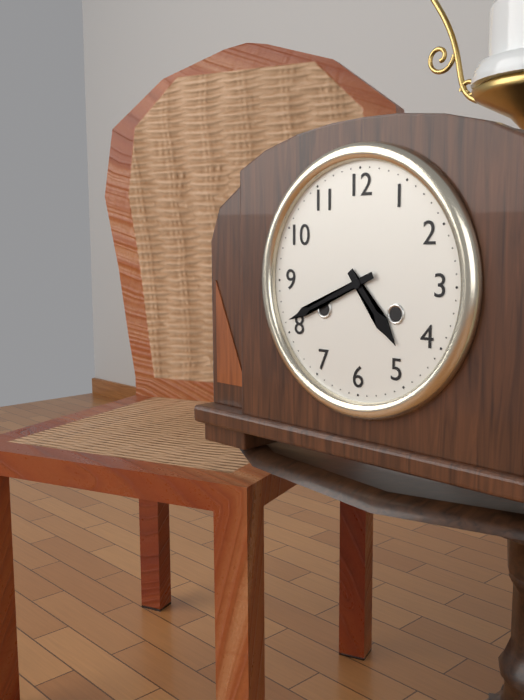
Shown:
4:41
